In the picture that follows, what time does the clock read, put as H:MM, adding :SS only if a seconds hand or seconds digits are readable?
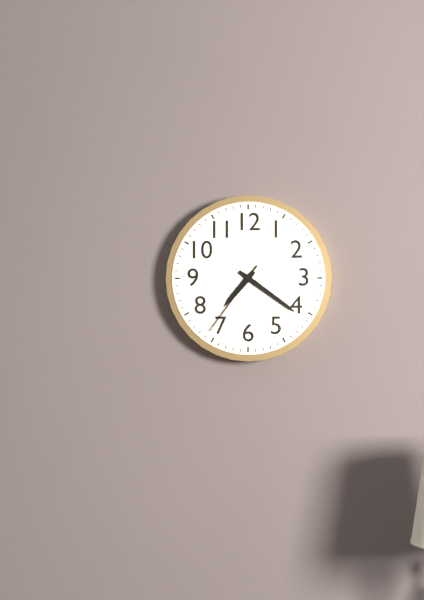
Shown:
7:21:36
